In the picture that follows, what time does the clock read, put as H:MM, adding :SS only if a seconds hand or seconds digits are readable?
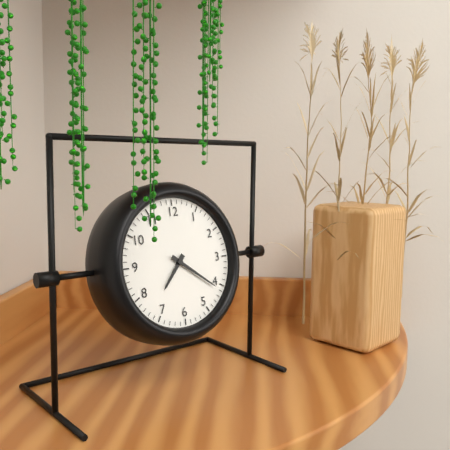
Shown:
7:21
